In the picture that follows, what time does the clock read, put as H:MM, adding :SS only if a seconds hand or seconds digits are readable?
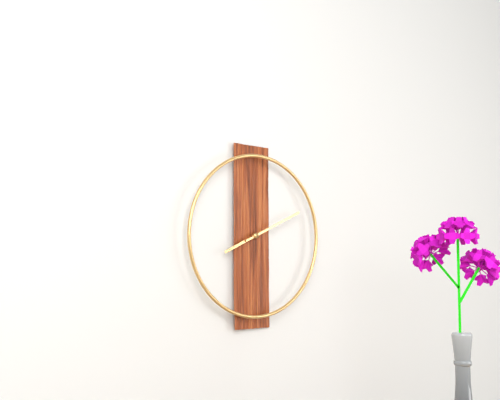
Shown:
8:11
